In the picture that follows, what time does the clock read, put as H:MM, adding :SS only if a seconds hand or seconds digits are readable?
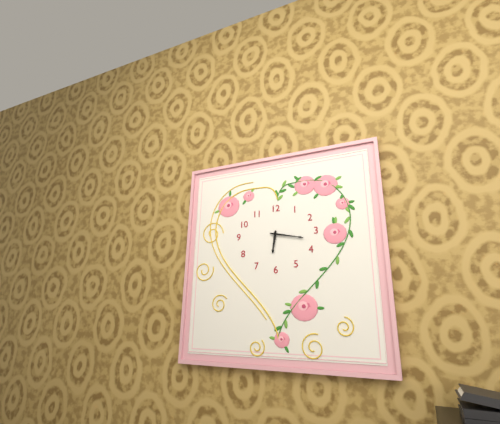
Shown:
6:17
